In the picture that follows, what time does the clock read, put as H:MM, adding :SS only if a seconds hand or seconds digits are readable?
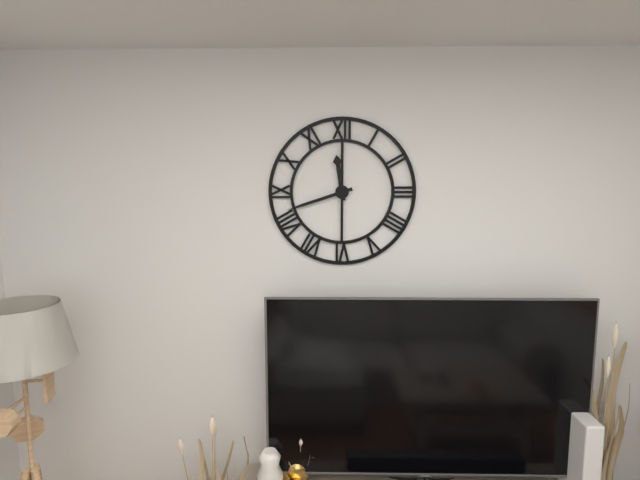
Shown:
11:42
